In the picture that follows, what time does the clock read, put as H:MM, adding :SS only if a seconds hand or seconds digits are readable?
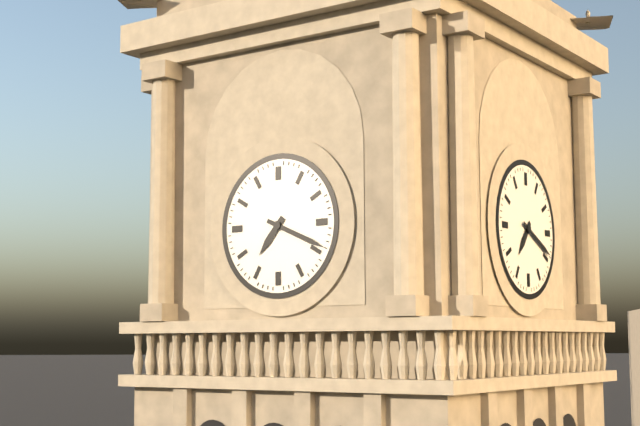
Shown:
7:19
